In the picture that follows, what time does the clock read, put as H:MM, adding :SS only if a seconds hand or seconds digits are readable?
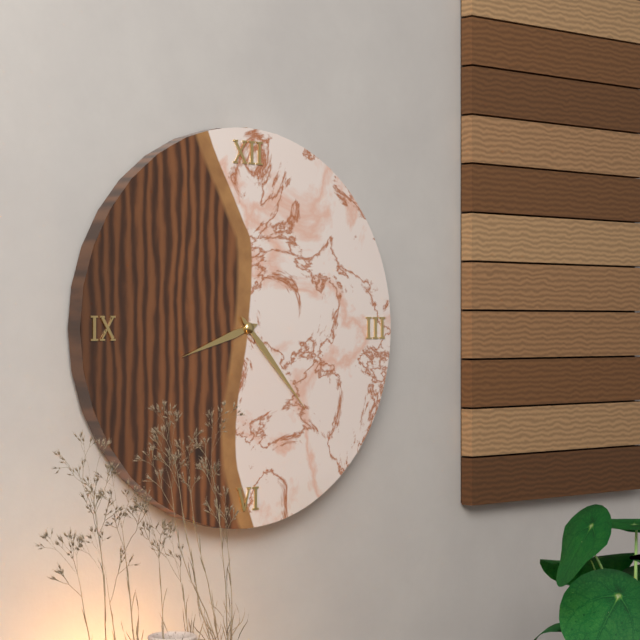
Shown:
8:23
